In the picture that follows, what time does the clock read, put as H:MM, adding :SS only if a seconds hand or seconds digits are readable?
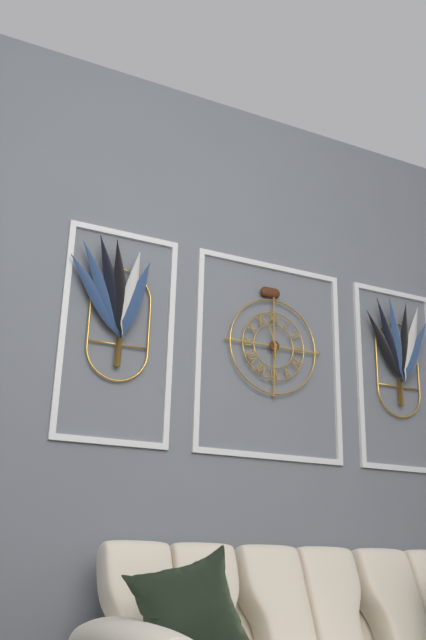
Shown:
5:57
